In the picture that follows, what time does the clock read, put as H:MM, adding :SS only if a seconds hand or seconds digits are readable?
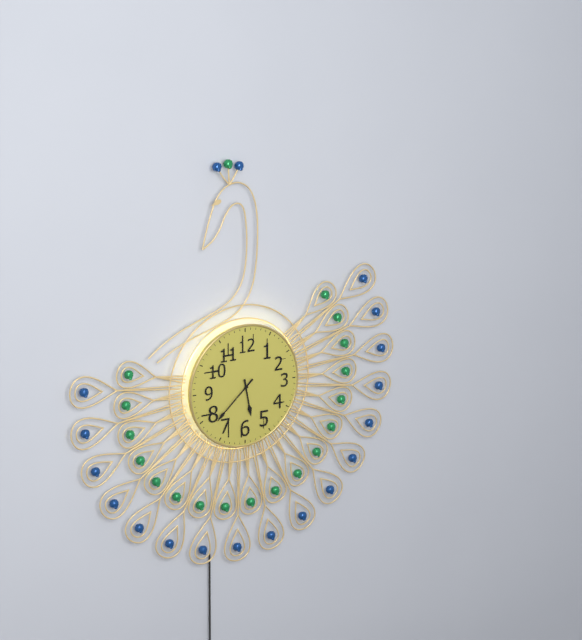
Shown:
5:38
